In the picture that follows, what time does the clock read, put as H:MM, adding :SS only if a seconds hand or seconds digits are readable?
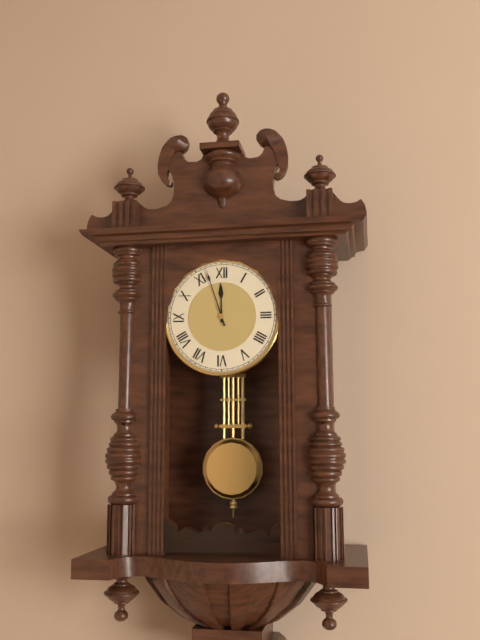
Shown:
11:57
